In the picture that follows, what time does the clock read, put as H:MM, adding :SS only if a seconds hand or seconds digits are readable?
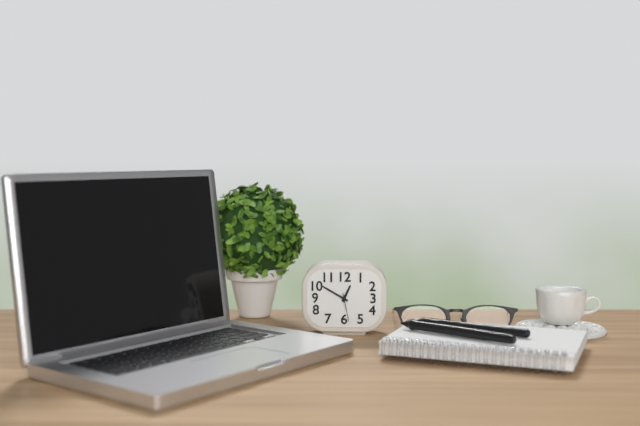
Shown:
12:50
